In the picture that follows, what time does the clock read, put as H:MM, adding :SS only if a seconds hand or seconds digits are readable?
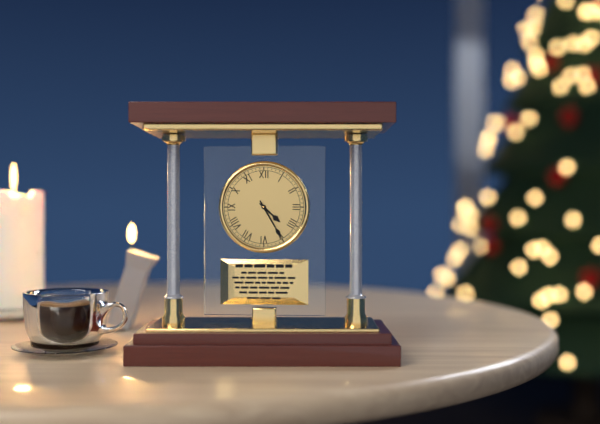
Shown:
4:25
